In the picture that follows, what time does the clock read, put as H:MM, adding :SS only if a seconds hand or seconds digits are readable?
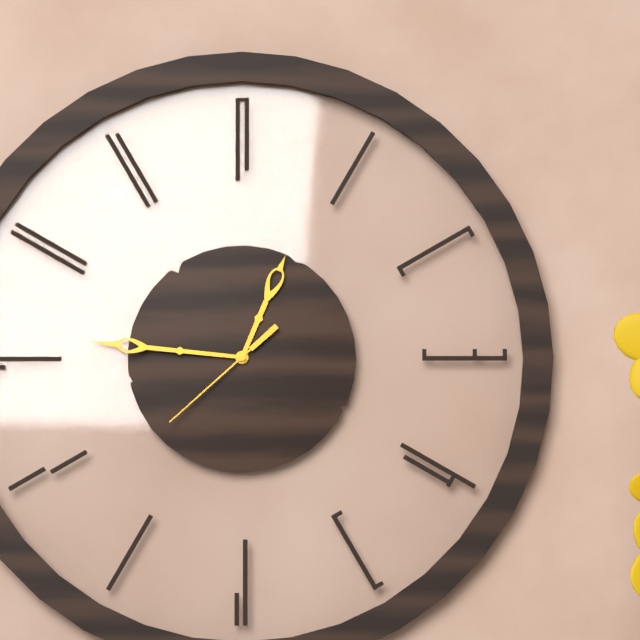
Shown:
12:46:38
